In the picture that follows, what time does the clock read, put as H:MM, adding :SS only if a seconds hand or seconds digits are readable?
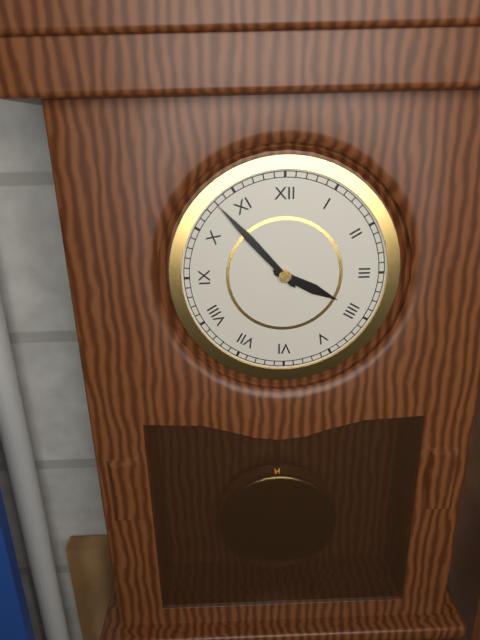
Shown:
3:53
